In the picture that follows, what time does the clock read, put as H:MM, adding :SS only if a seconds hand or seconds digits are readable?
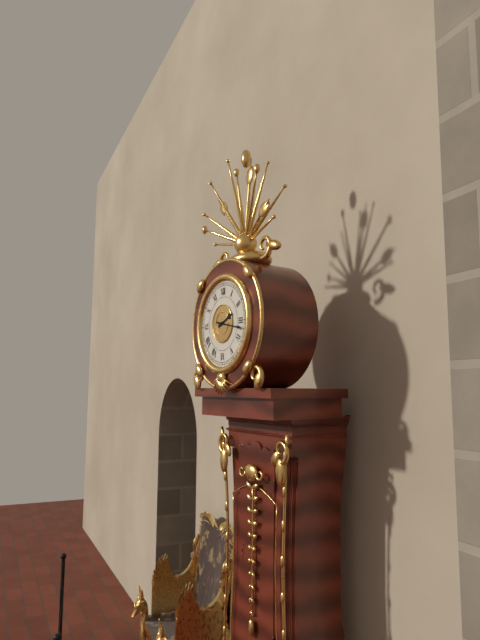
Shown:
2:17
